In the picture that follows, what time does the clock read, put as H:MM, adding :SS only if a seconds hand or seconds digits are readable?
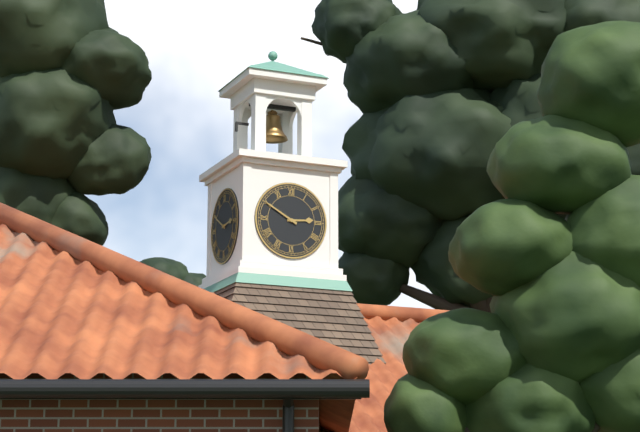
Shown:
2:50
